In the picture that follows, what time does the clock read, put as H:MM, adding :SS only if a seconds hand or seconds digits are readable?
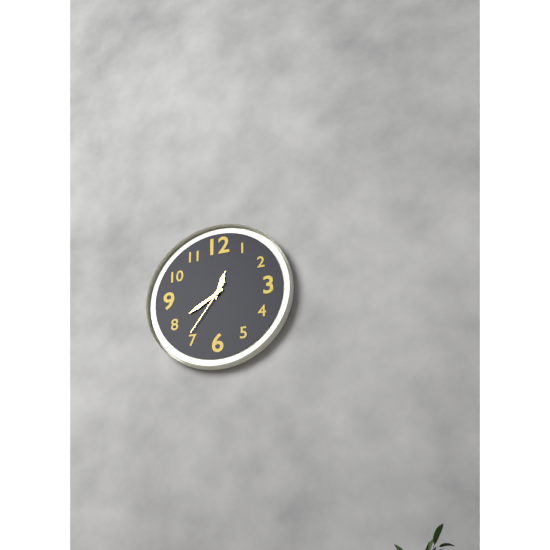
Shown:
12:40:36
